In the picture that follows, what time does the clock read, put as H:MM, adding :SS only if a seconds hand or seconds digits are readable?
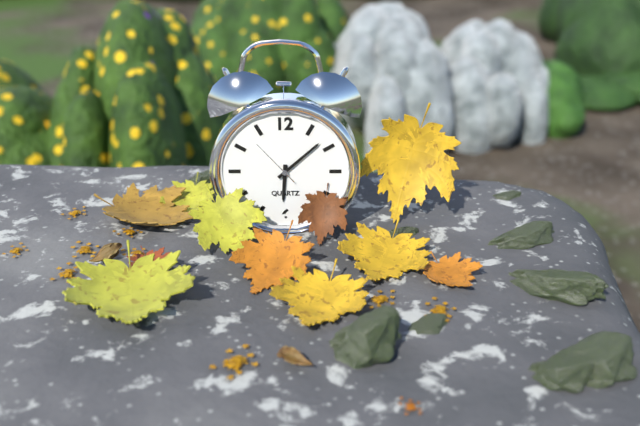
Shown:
6:08
